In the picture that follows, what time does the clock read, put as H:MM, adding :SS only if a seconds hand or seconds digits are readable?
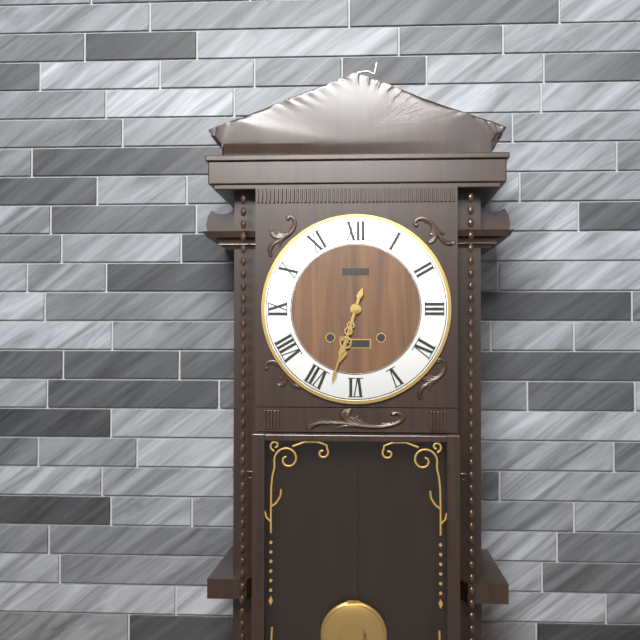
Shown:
6:33
